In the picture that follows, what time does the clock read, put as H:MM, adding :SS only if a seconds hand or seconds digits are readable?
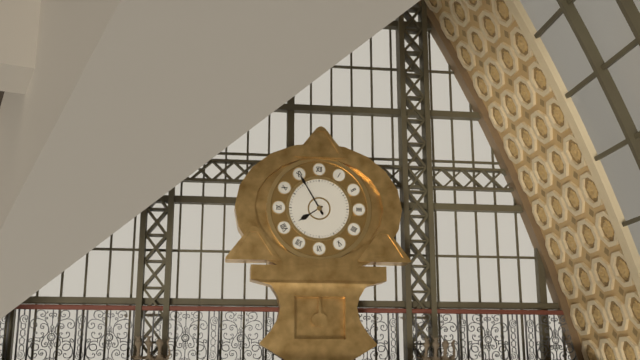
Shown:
7:55
